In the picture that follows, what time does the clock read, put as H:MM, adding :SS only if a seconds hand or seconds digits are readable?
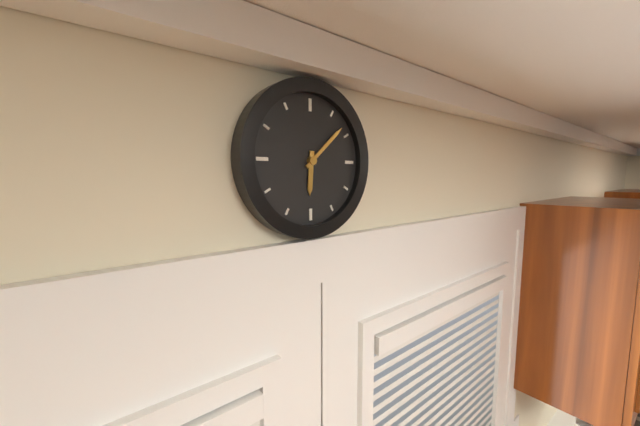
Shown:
6:08
